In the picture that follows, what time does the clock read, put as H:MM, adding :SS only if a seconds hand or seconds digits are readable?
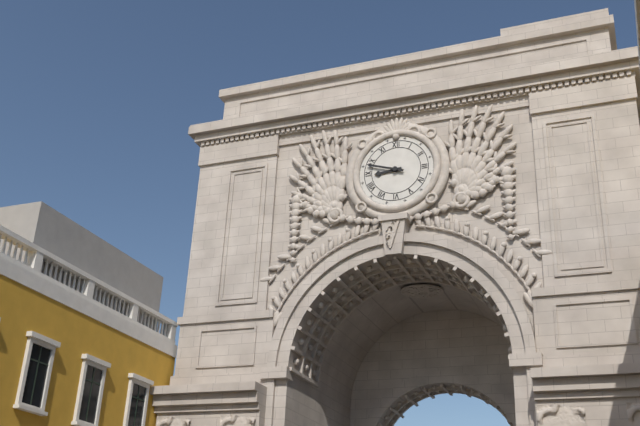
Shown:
8:48
